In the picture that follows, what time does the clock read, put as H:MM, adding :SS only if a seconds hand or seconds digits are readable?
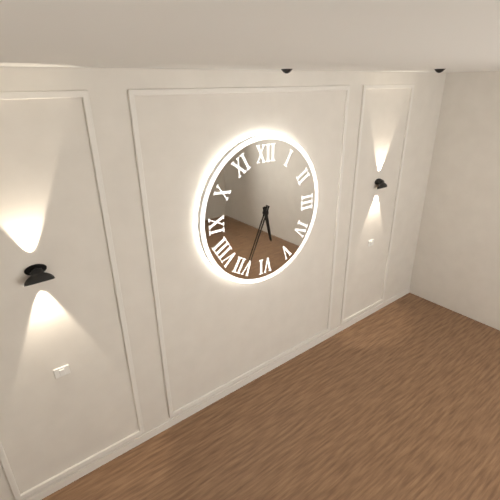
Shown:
5:34
